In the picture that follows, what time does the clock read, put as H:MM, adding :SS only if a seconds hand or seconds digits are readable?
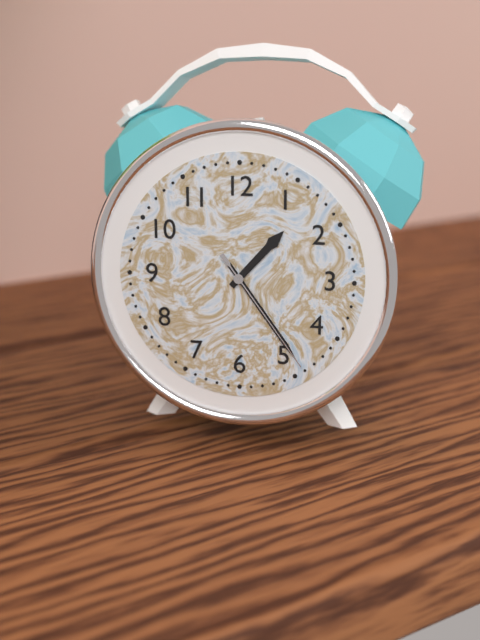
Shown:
1:24:24
